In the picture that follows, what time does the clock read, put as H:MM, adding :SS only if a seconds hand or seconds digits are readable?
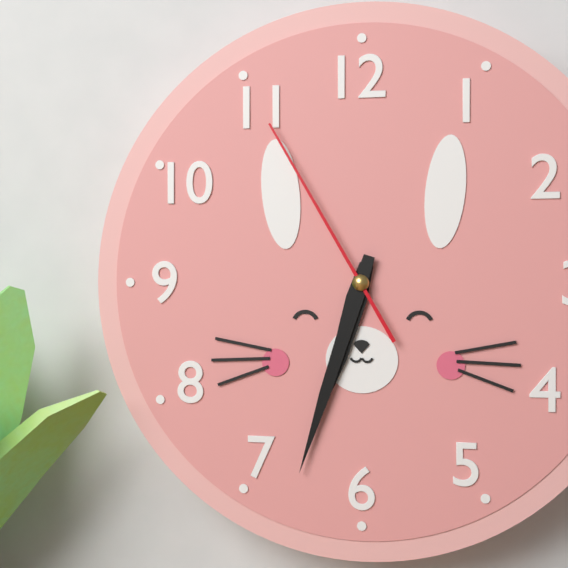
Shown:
6:33:55
